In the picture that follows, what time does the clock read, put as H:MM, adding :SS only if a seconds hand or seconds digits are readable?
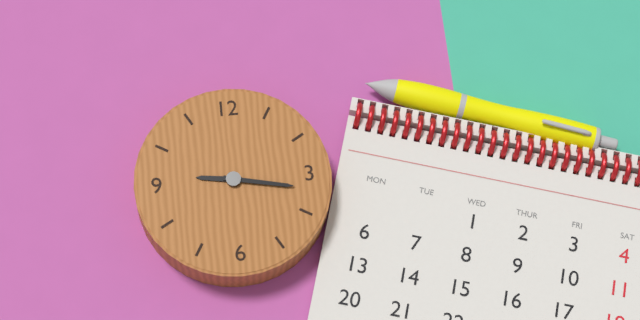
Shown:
9:17
